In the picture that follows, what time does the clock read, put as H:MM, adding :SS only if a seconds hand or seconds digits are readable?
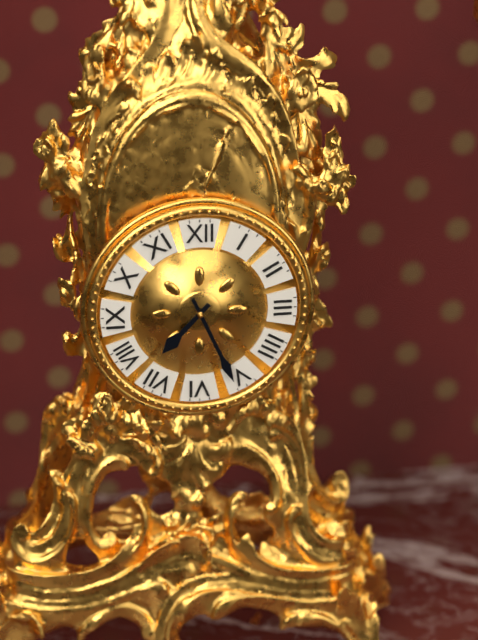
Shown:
7:26
